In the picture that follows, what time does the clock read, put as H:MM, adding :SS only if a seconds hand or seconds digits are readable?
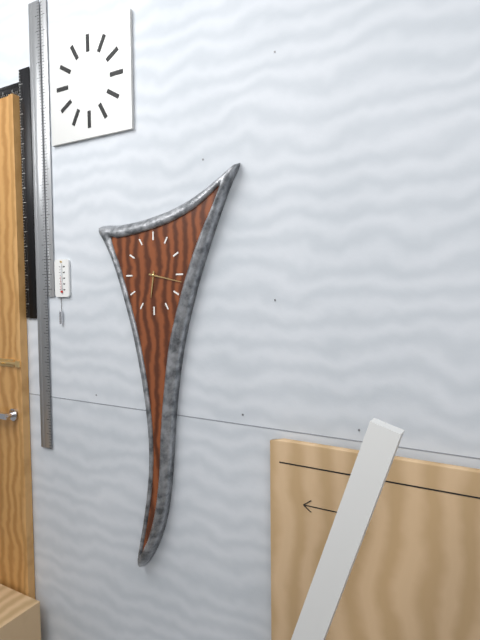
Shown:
6:17
